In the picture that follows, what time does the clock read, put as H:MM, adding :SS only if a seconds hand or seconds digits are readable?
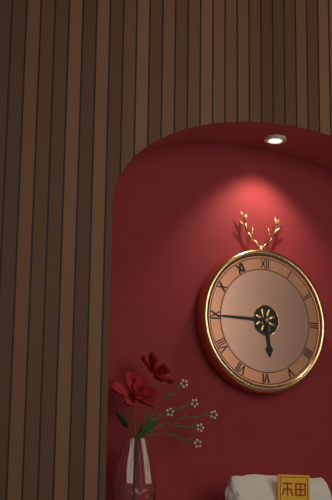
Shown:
5:45
